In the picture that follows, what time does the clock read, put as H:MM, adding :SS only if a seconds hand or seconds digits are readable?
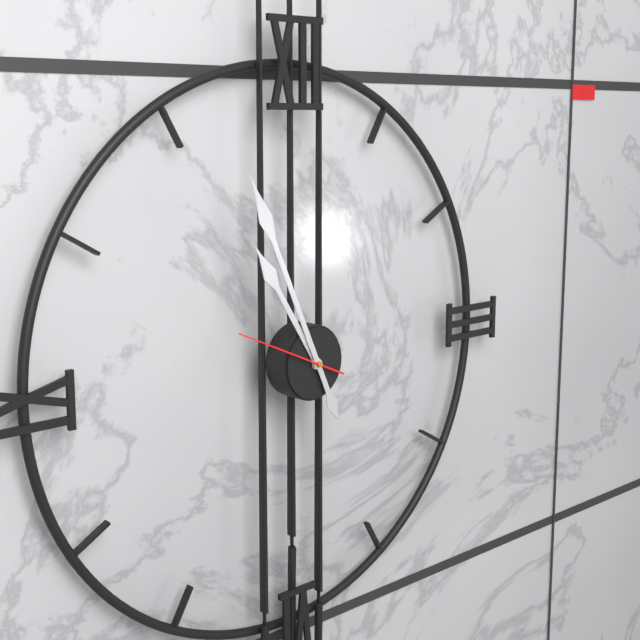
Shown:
10:56:49
